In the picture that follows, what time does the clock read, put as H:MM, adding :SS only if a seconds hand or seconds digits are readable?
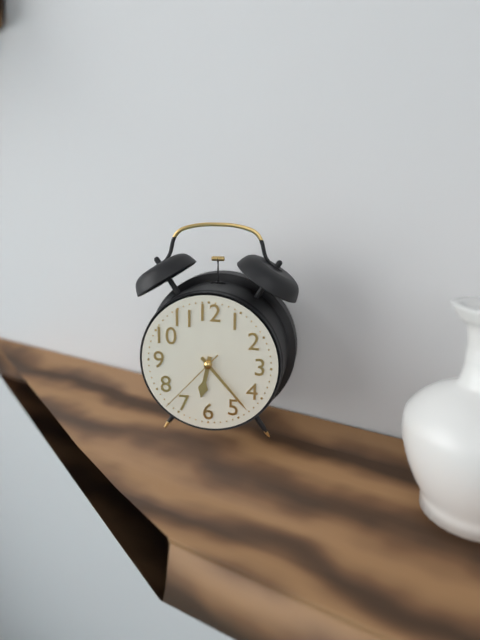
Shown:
6:23:37
